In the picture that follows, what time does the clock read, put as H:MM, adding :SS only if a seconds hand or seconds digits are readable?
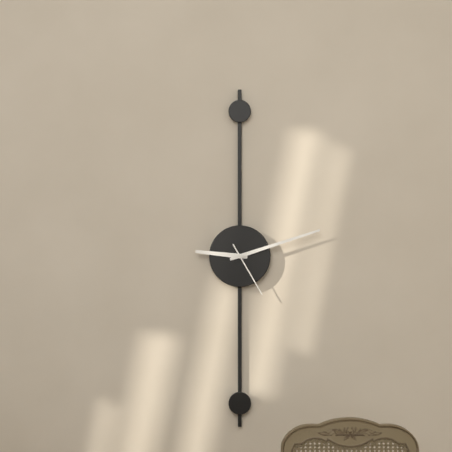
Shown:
9:12:25
